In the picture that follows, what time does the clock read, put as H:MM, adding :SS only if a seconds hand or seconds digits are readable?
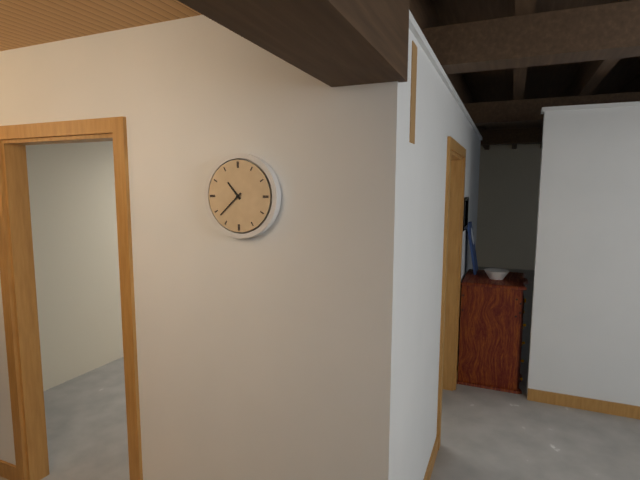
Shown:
10:38
